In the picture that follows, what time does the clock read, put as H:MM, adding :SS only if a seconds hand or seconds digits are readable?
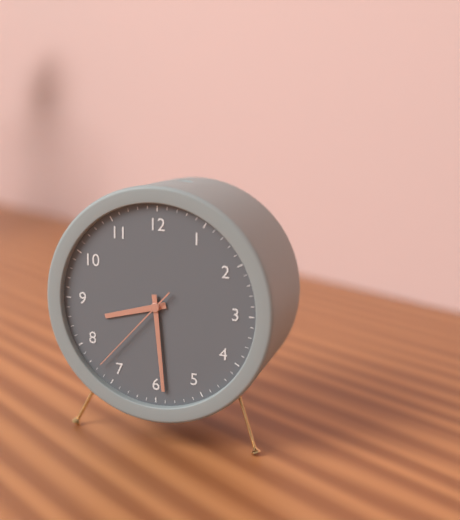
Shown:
8:29:37
